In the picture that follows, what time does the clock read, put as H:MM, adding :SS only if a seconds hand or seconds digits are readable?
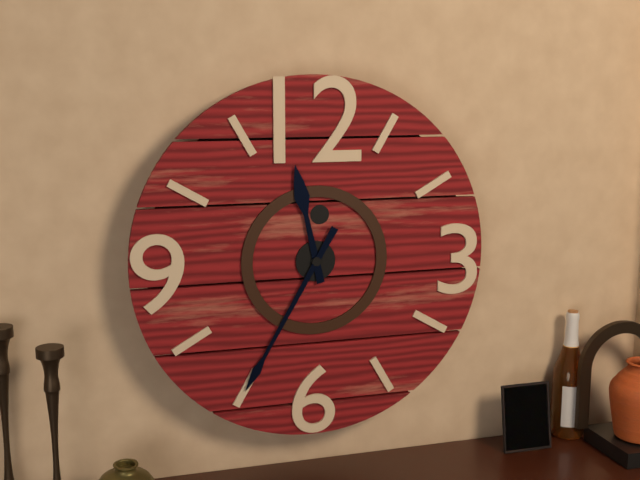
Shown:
11:35
